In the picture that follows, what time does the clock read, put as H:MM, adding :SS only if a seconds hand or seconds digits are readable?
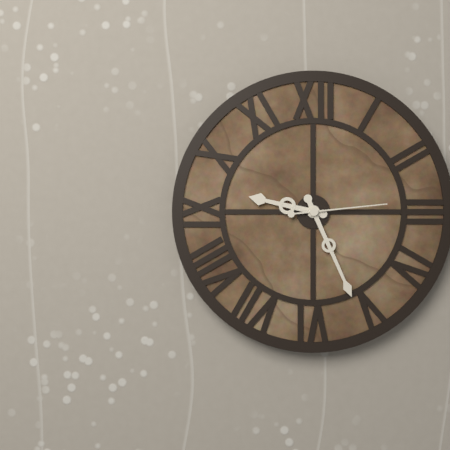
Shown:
9:26:14
